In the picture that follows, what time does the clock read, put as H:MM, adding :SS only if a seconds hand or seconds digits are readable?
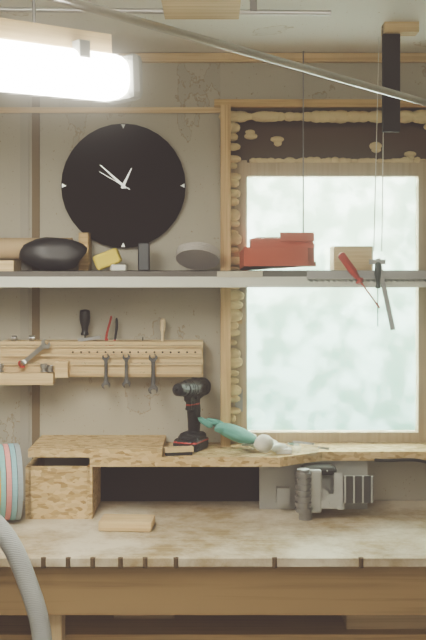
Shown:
12:52
